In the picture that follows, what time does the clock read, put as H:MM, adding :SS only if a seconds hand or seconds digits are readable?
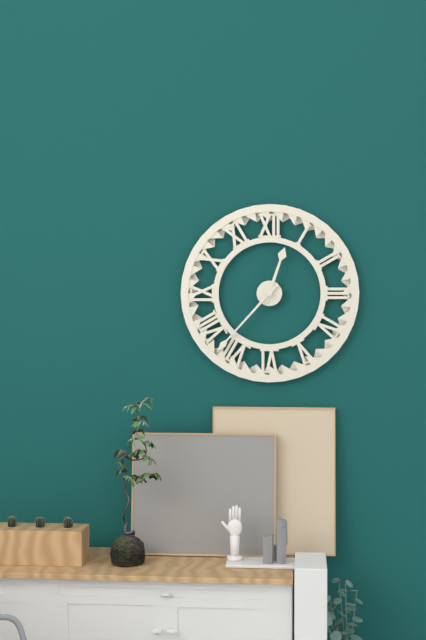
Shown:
12:37
